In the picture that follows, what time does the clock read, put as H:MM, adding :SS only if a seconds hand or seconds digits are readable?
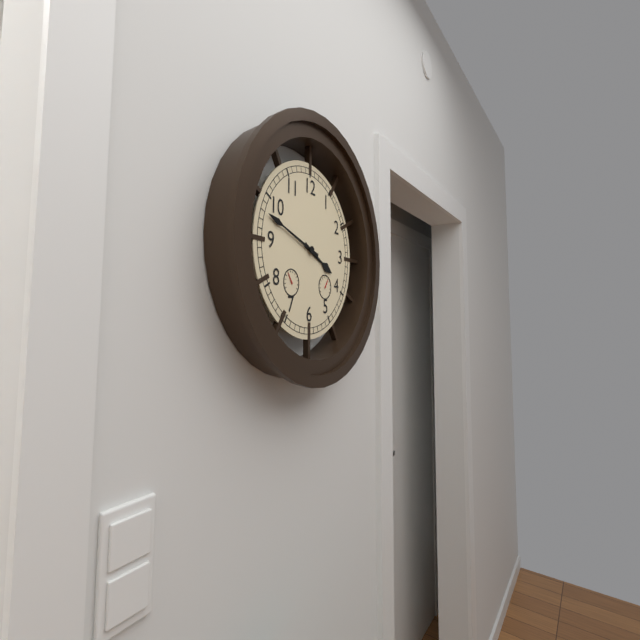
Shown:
3:48
